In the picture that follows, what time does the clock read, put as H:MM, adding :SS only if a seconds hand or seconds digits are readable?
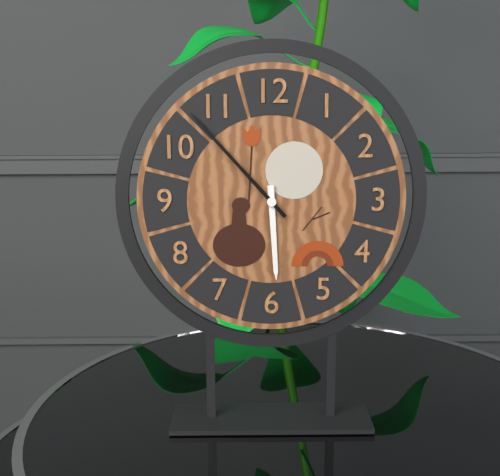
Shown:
5:53
